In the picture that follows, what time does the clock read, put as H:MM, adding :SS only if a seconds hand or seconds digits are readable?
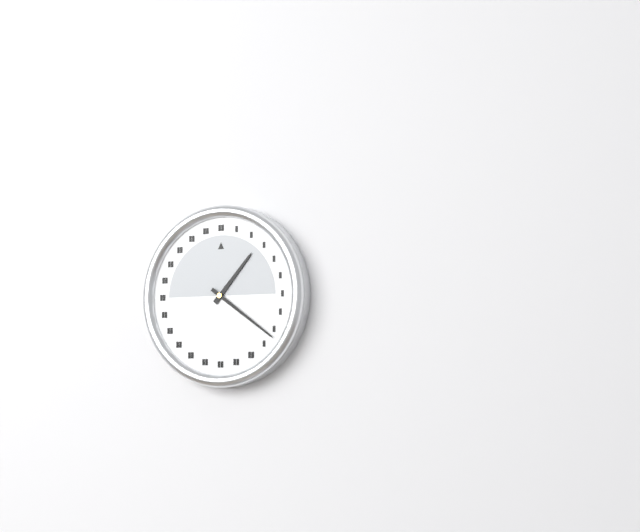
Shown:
1:21
